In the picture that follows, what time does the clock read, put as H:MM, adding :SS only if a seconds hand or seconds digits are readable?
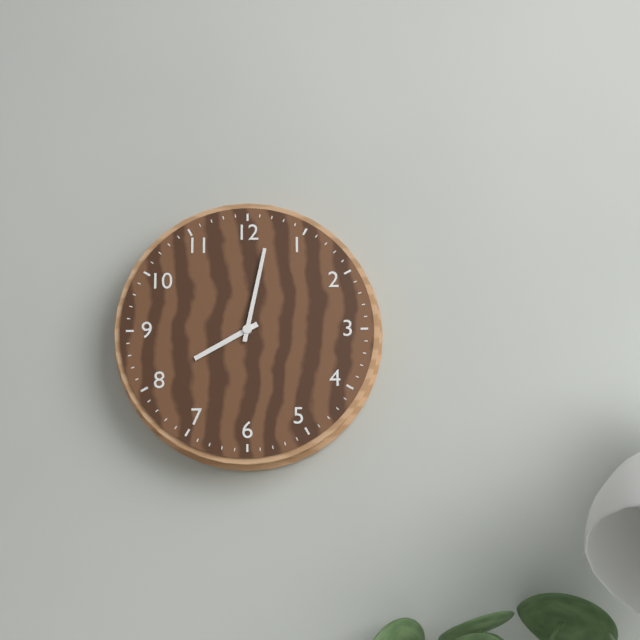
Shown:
8:02
